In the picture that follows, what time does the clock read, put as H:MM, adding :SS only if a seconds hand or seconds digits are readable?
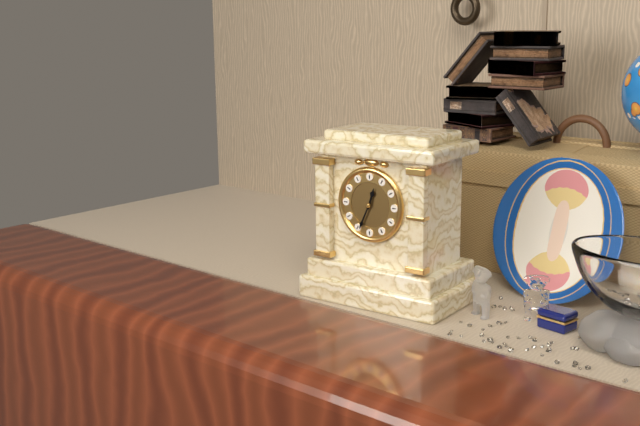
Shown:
12:34
